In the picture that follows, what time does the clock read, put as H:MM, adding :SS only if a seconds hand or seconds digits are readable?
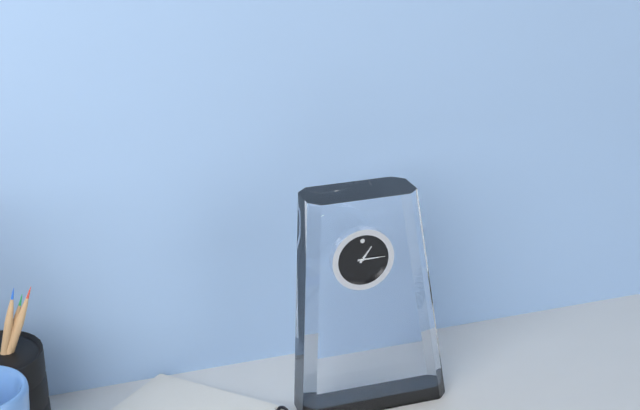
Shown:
1:15
